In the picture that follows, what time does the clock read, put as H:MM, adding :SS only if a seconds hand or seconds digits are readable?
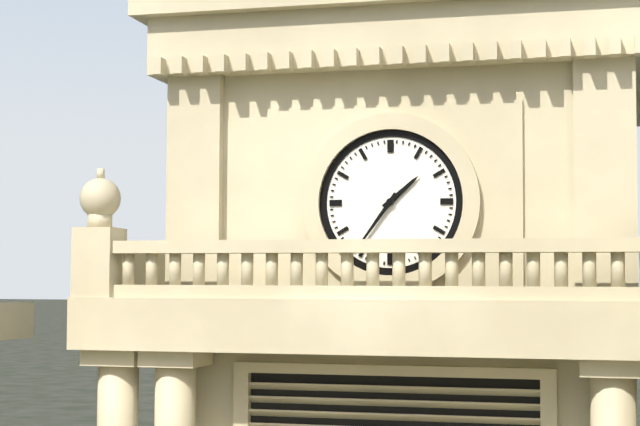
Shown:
1:36
